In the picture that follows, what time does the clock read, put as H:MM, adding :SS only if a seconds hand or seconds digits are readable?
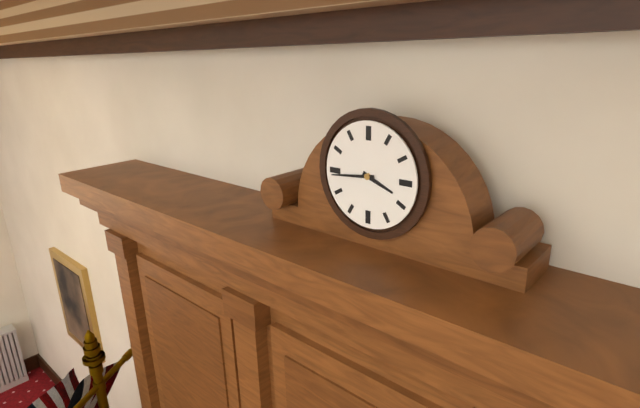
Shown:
3:44
